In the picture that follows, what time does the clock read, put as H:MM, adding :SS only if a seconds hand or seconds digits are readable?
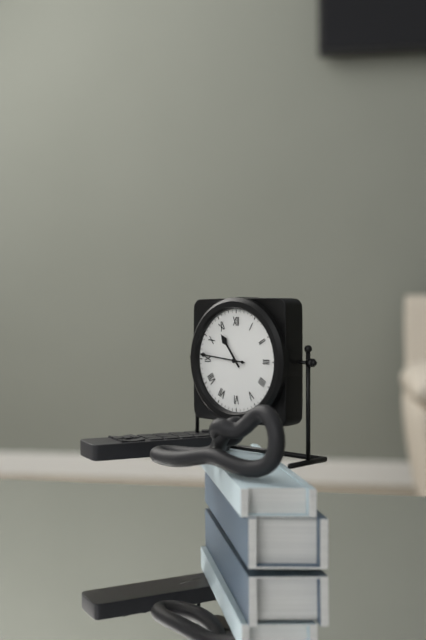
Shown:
10:46
